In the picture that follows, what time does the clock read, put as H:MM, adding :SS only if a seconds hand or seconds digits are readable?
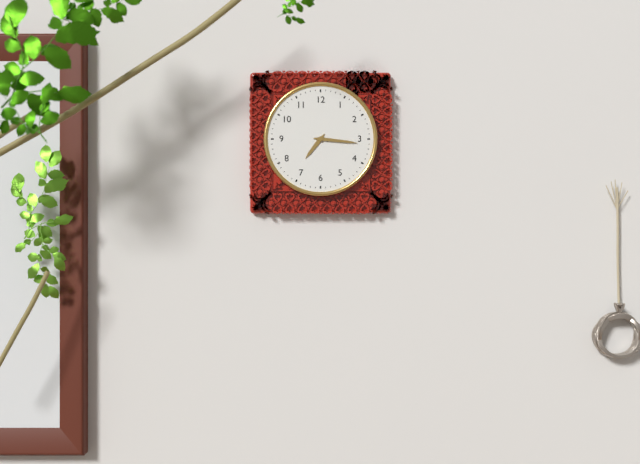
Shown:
7:16
